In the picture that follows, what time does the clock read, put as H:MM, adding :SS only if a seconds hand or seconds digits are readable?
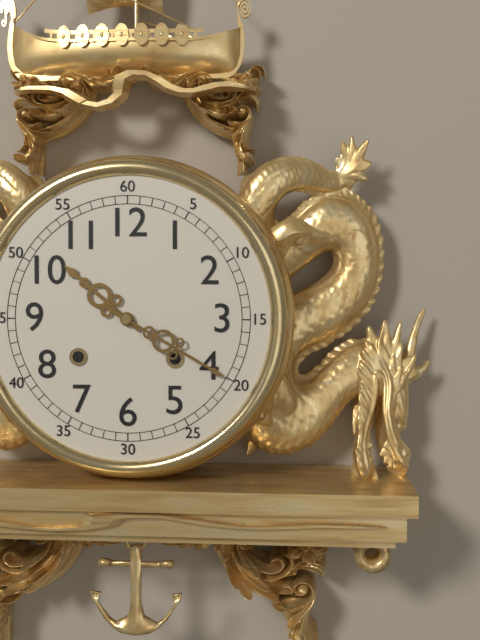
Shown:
10:20
